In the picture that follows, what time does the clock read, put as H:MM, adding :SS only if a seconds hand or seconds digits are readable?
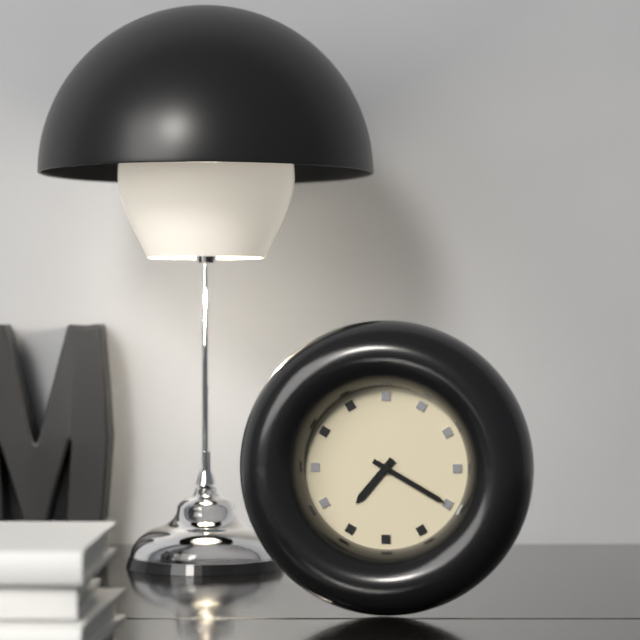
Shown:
7:20
